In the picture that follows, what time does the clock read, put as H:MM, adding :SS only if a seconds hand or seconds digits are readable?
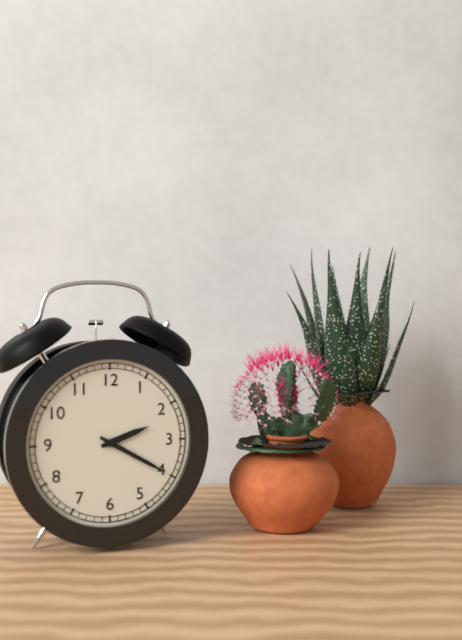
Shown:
2:20
